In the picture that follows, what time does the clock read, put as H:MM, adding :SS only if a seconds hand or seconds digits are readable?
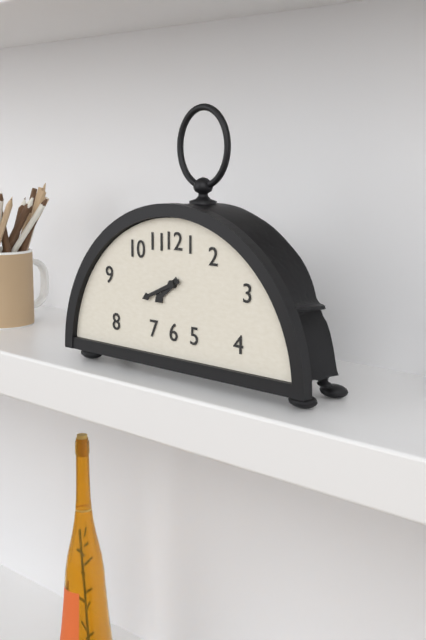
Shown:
7:41
